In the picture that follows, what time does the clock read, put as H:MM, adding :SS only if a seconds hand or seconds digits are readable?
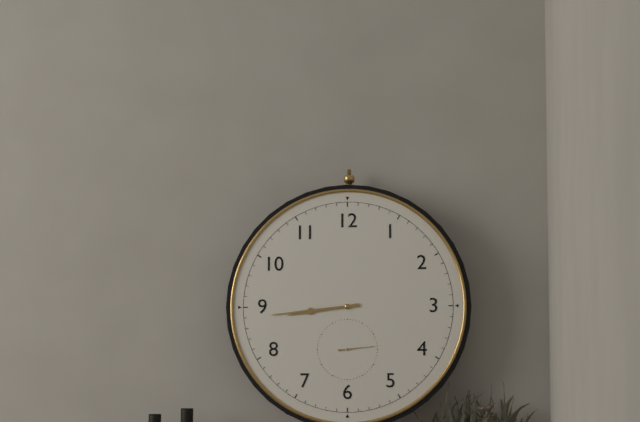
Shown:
8:44
